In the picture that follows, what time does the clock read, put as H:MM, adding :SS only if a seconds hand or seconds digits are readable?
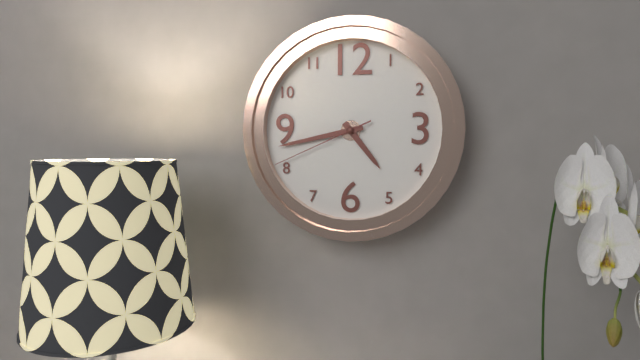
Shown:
4:43:41
